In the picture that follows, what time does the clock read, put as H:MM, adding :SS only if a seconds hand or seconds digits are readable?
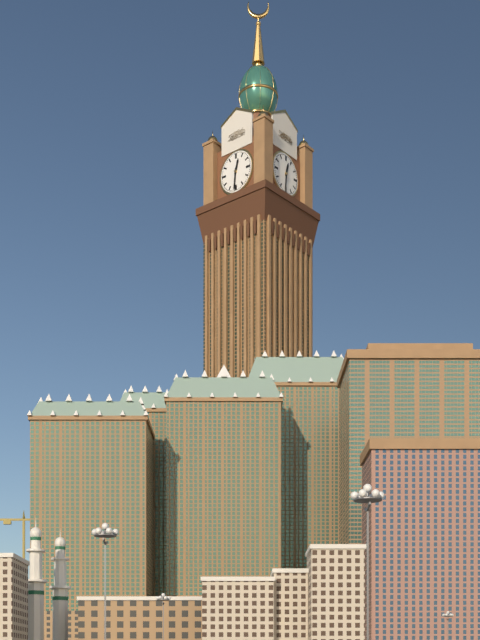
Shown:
12:31
